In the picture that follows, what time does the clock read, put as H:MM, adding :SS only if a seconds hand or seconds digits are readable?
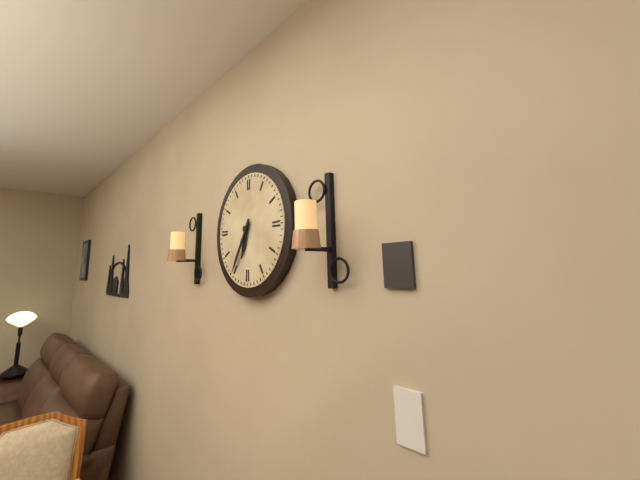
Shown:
6:35
